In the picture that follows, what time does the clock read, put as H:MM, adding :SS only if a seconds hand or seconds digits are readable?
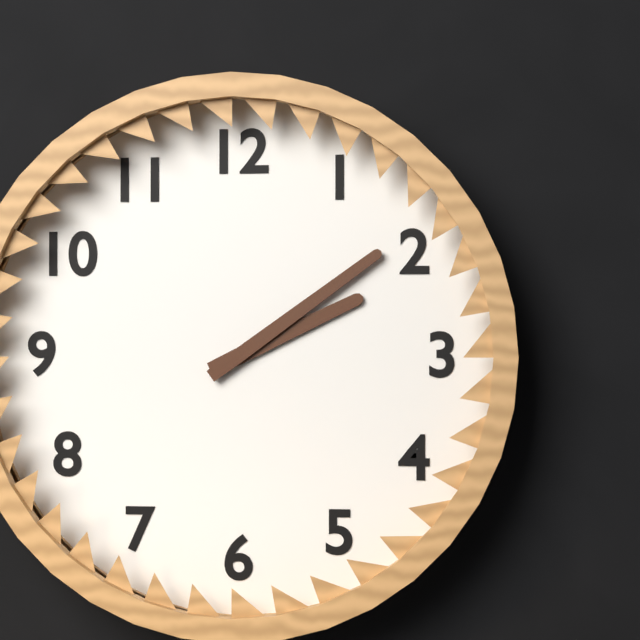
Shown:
2:09
